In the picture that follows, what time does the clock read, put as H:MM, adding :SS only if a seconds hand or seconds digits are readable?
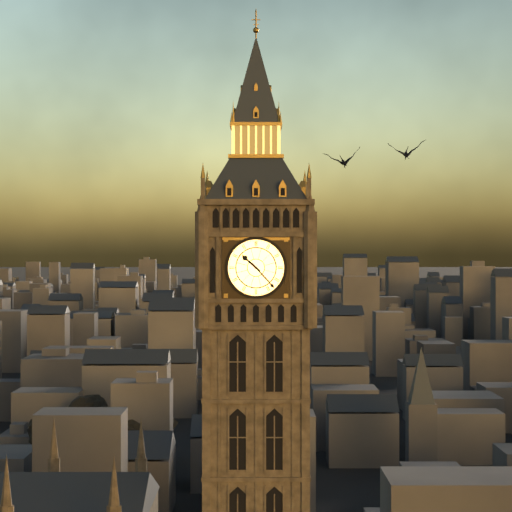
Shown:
10:23
